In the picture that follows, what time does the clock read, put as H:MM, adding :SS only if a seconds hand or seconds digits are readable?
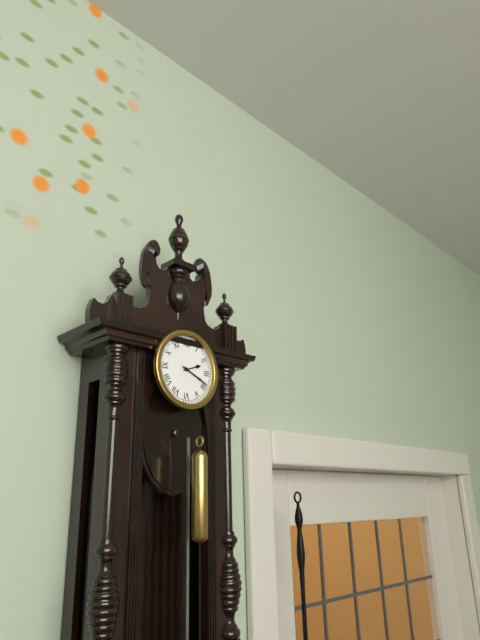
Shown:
2:19
